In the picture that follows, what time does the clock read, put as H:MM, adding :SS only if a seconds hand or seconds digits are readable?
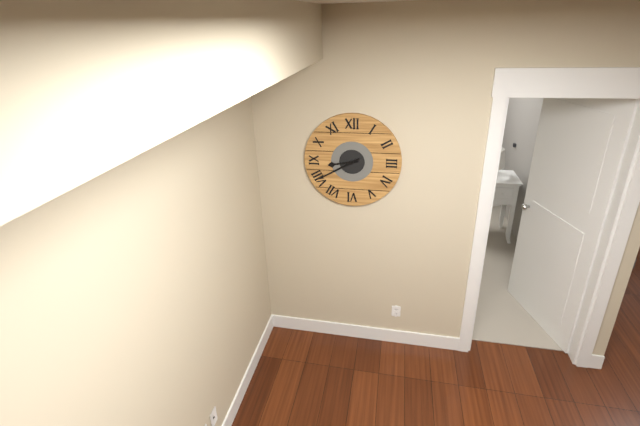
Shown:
8:40
